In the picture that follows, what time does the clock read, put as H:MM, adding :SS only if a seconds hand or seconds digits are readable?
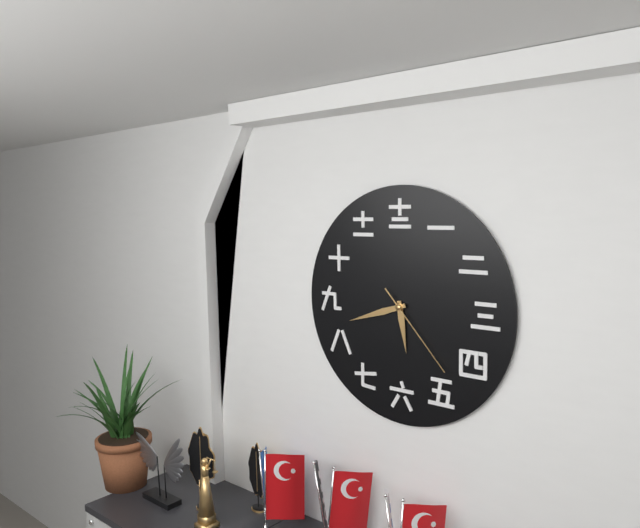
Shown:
5:42:23
